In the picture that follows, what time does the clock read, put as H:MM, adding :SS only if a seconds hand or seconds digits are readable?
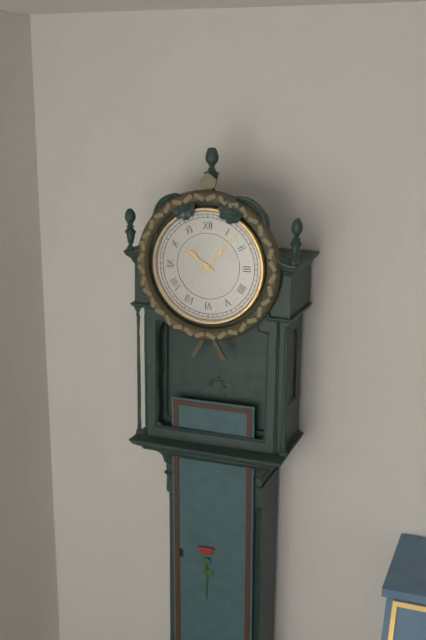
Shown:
10:07
